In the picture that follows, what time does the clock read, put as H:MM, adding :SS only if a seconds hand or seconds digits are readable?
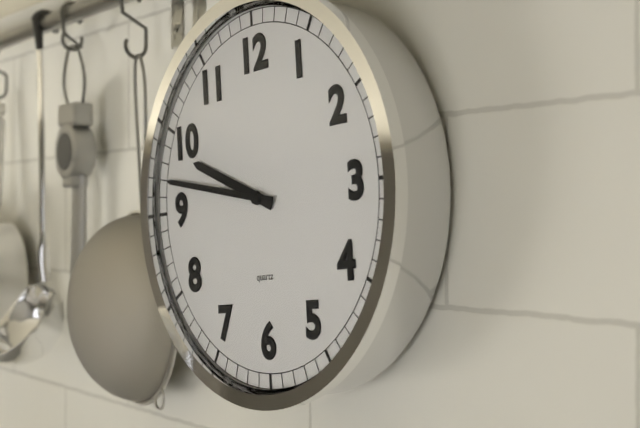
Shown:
9:47
